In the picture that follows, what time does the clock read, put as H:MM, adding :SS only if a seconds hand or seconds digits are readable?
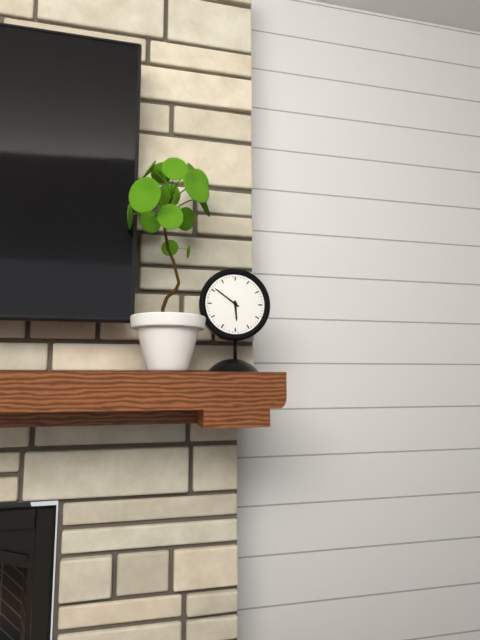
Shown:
5:51
